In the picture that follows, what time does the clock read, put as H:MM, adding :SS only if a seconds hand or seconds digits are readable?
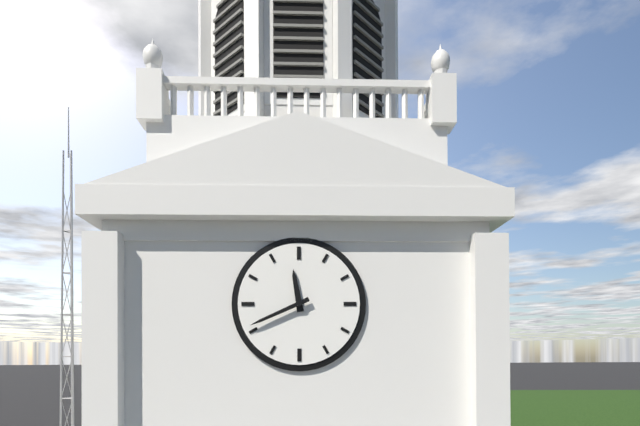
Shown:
11:41
